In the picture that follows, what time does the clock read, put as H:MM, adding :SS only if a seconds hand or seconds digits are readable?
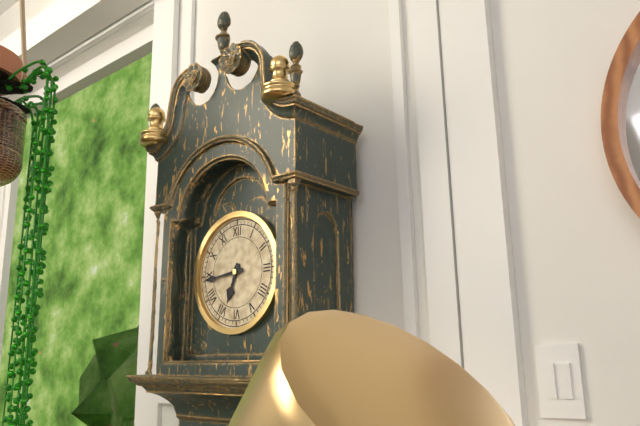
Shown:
6:44
